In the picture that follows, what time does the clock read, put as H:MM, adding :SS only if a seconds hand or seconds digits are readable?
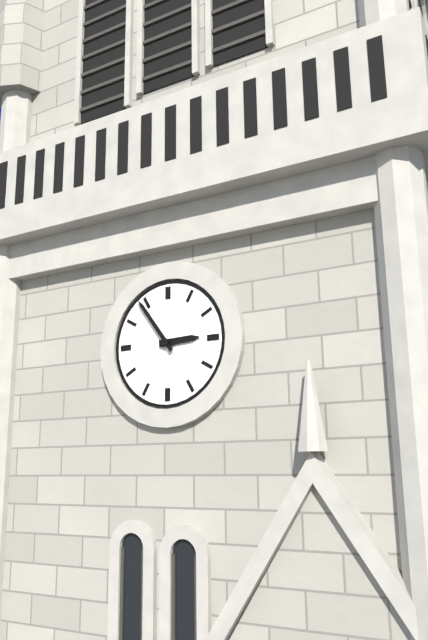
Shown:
2:54
